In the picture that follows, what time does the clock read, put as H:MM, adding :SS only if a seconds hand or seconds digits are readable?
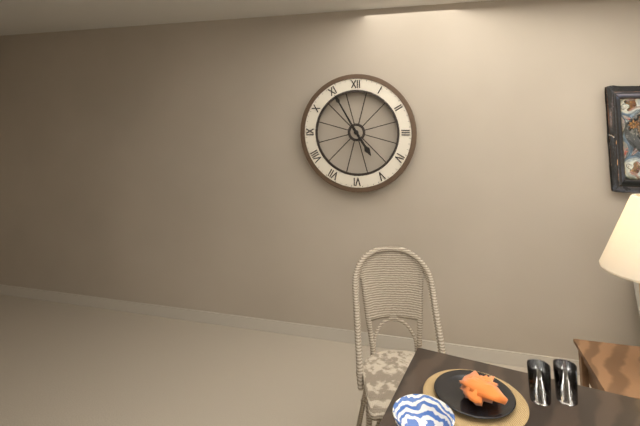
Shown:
4:55
